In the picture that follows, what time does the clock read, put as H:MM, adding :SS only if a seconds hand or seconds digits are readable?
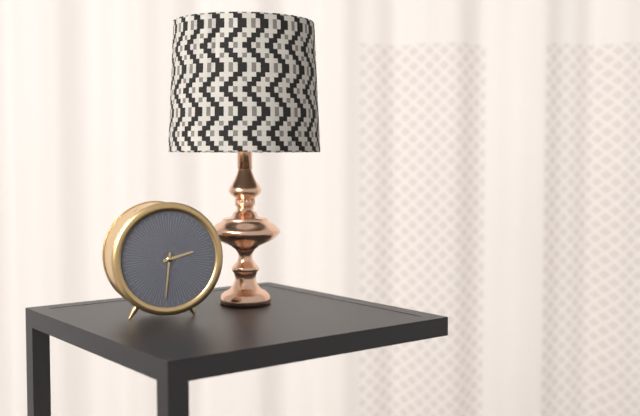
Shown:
2:31
